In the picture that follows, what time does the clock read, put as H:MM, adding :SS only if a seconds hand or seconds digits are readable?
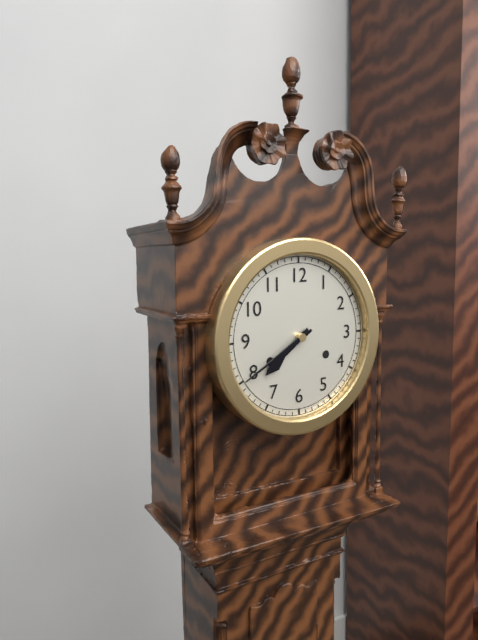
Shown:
7:40
